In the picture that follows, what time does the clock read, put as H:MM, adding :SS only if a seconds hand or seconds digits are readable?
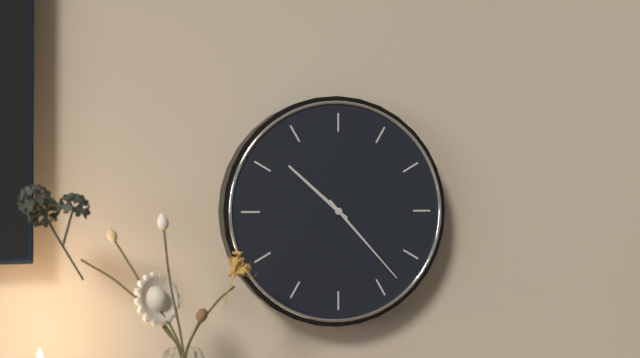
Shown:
10:23
